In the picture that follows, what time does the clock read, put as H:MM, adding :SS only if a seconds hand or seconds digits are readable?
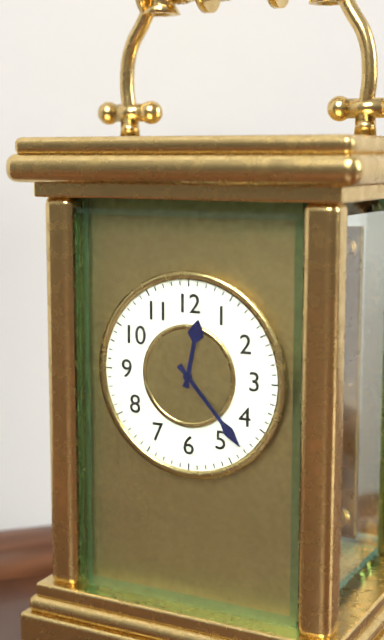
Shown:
12:23
